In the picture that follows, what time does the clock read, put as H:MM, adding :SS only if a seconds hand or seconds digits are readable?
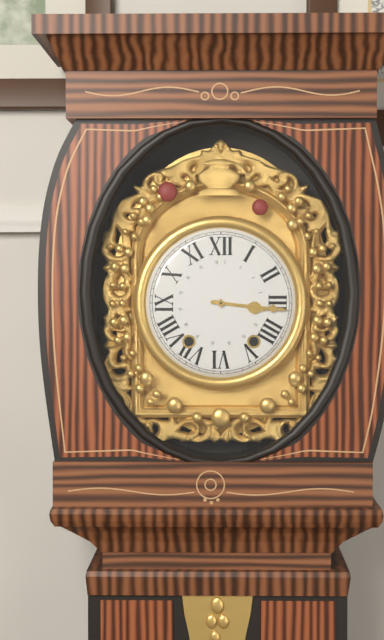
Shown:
3:16
